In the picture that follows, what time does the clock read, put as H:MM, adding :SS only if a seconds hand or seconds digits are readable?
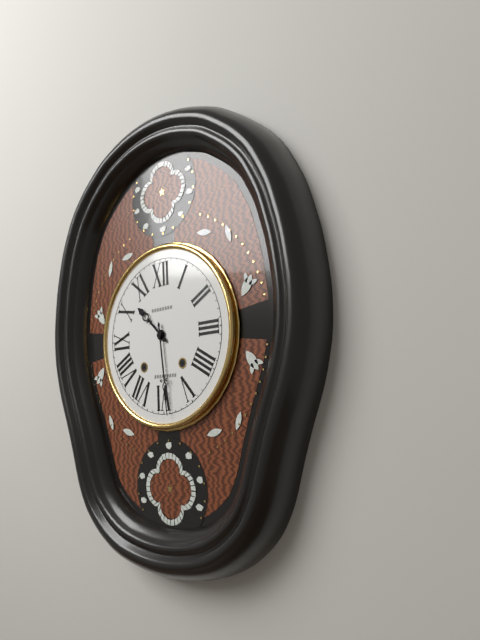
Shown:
10:29
